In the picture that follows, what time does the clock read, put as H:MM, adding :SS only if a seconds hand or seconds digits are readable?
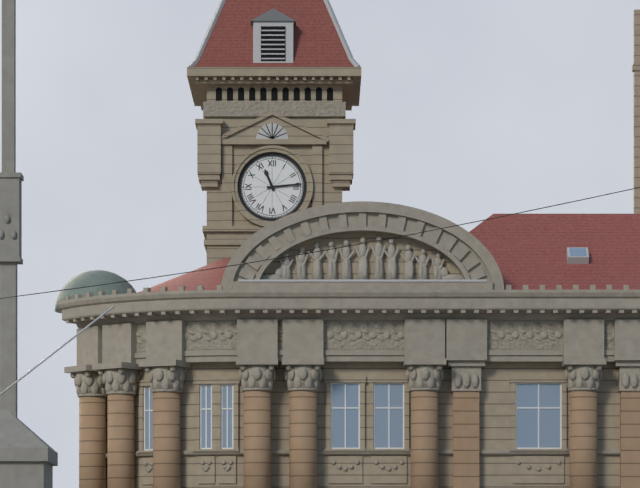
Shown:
11:14
